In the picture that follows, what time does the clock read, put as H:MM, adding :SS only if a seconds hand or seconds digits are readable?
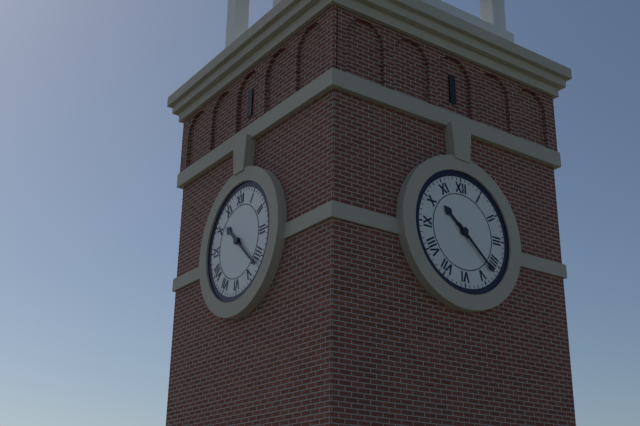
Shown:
10:22
